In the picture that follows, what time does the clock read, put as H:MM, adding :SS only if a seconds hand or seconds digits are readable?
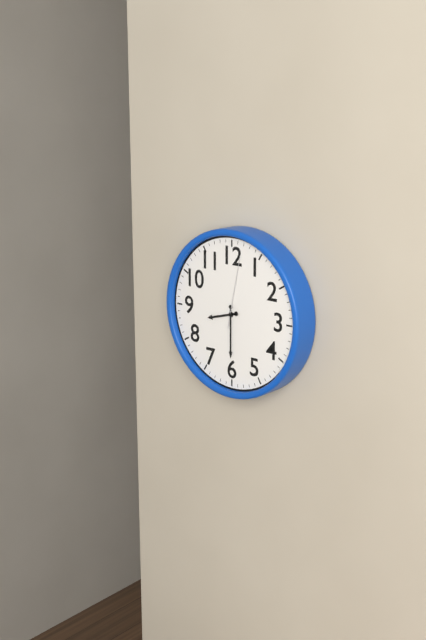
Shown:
8:30:02
